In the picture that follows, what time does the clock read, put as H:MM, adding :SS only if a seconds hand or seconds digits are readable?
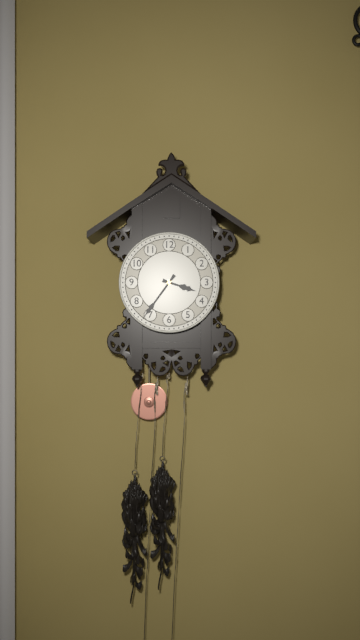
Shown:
3:36
